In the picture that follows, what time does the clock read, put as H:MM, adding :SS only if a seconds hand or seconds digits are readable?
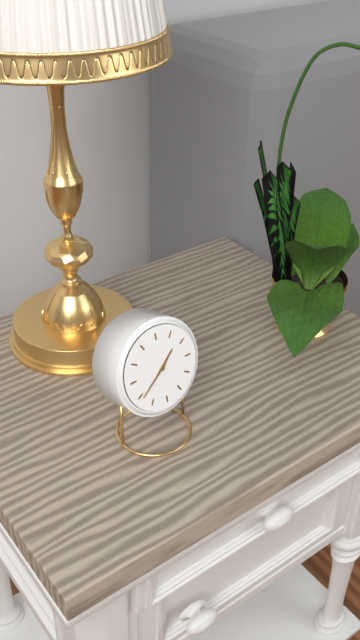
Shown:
1:39
